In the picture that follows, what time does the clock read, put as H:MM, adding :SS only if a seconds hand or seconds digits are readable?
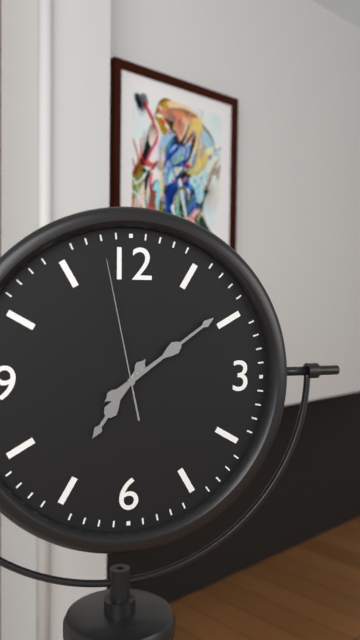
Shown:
7:09:58
